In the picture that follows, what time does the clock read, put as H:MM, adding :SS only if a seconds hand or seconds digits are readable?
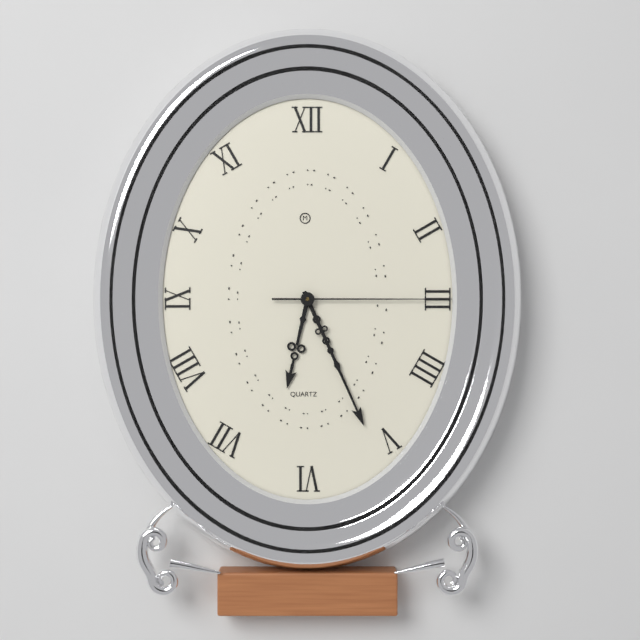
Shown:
6:26:15
